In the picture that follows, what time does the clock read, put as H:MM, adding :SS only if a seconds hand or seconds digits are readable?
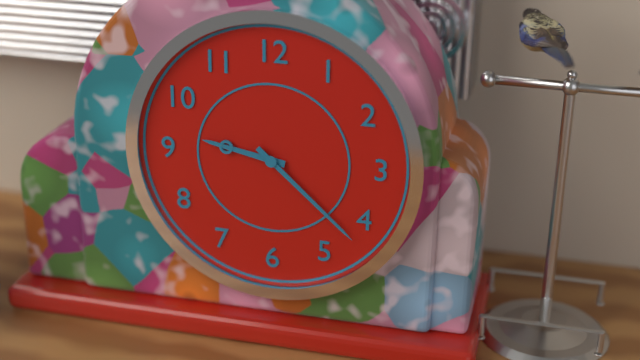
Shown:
9:22
